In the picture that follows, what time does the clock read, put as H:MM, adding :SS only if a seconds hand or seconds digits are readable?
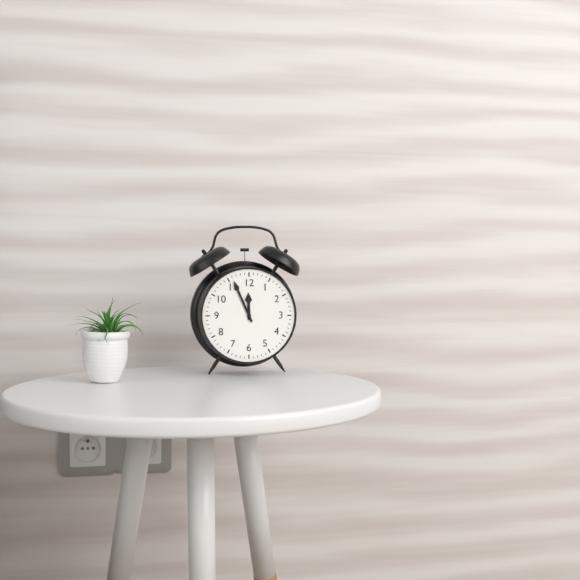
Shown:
11:56
